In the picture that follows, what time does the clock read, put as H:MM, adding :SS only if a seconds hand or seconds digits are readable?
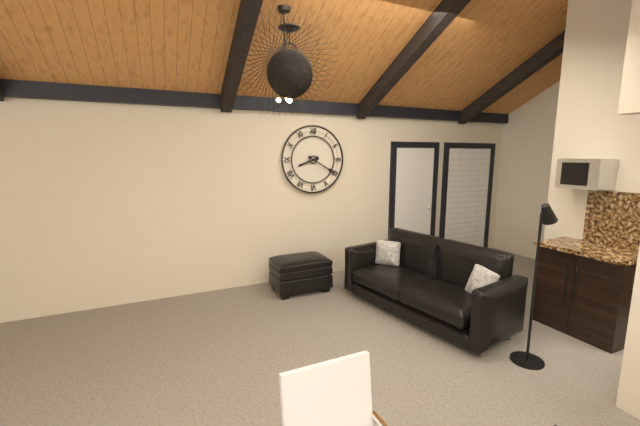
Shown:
8:20
